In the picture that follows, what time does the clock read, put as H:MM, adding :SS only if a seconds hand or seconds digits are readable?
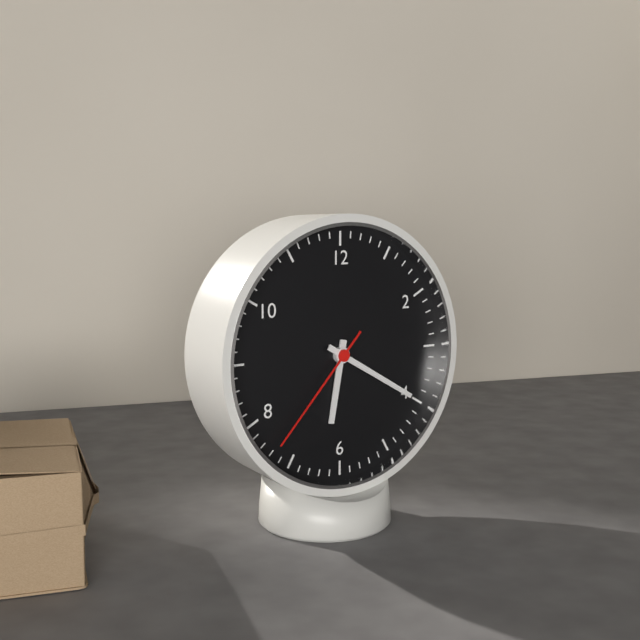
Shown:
6:20:37
